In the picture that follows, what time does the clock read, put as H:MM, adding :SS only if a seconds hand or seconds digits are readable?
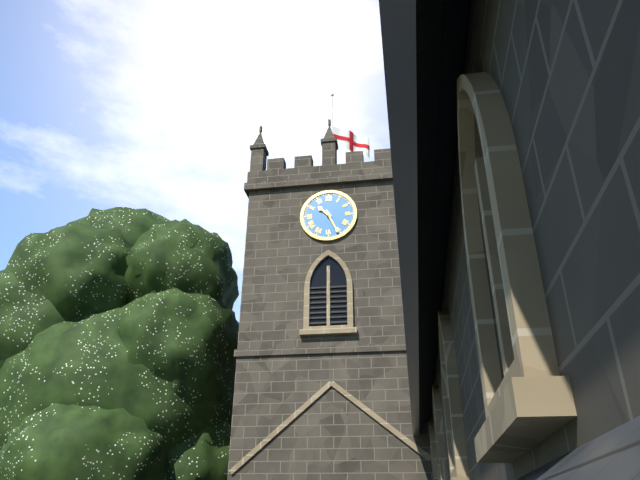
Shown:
10:26
